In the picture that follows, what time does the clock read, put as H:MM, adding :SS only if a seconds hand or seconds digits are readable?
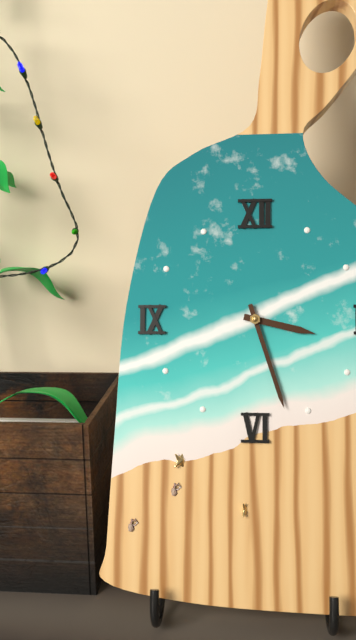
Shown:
3:27
